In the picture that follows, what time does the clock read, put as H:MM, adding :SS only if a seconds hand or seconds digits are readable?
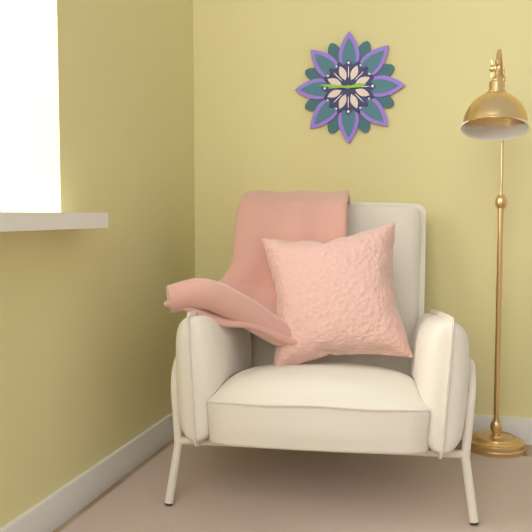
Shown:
2:46
